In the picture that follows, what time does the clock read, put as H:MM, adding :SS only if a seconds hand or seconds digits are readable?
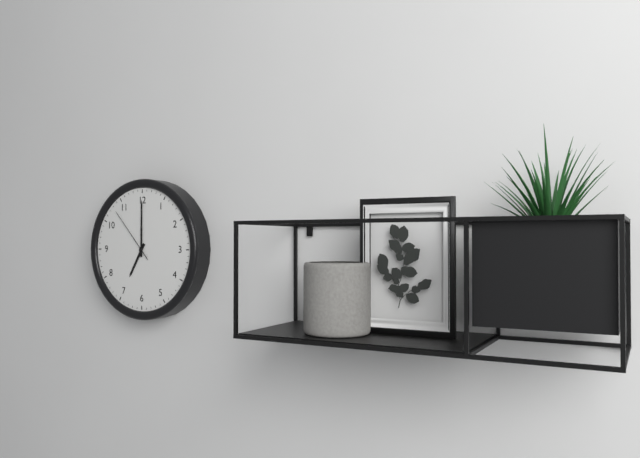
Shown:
7:00:53
